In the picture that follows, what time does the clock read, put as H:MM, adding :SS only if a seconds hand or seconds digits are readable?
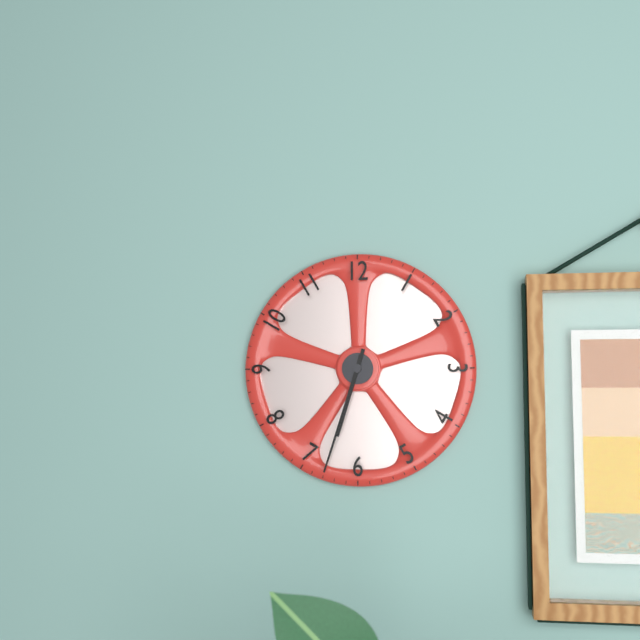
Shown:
6:33
